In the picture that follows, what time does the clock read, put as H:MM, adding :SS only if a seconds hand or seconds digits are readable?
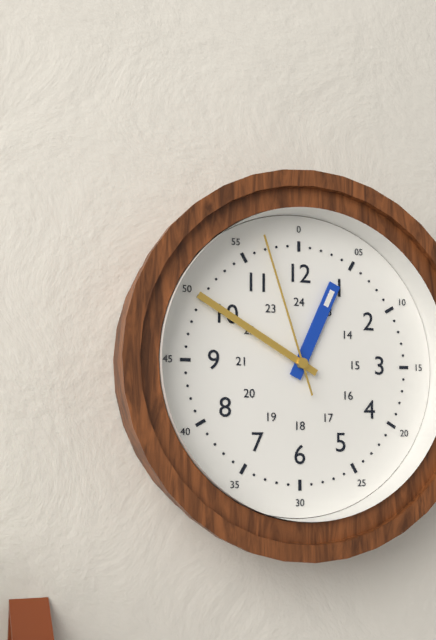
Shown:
12:50:57
